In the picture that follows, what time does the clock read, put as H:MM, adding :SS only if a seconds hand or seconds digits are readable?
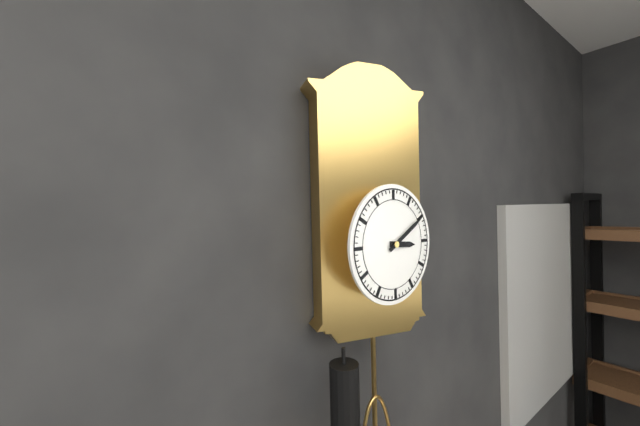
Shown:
3:10
